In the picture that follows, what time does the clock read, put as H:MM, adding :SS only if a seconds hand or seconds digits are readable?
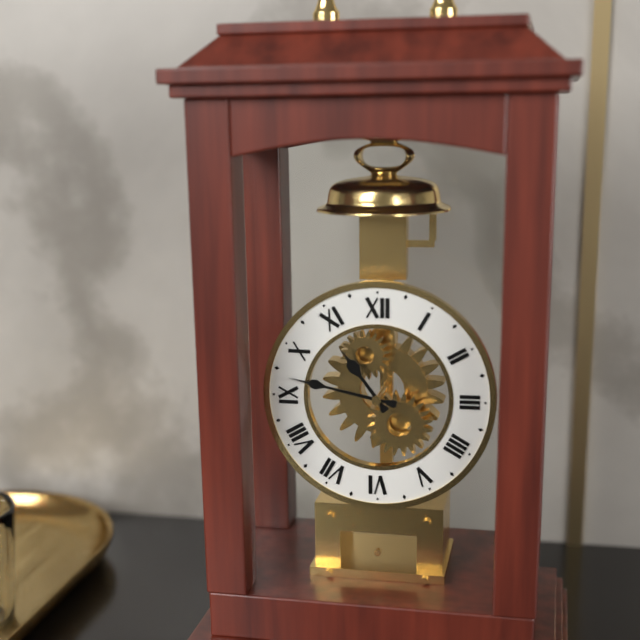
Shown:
10:47
